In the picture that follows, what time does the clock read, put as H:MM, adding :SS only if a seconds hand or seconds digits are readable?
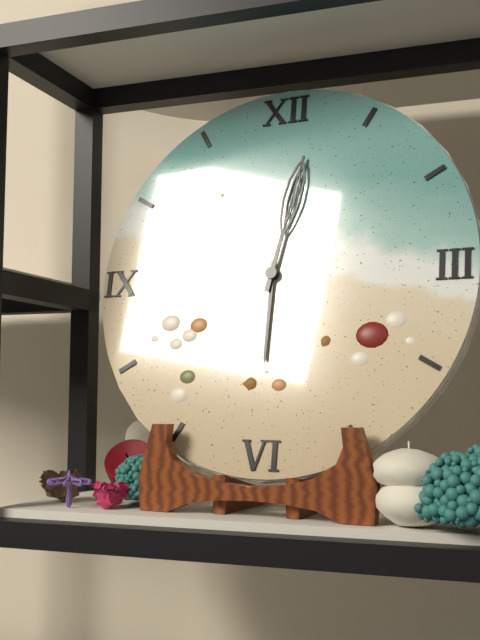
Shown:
6:02
